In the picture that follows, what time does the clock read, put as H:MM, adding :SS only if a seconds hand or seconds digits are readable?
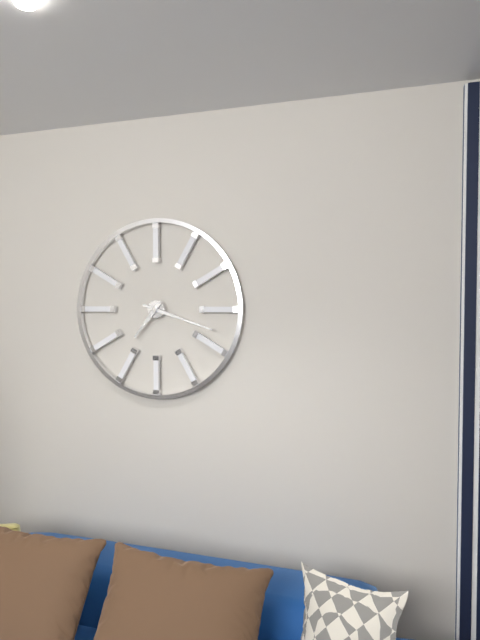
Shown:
7:18
